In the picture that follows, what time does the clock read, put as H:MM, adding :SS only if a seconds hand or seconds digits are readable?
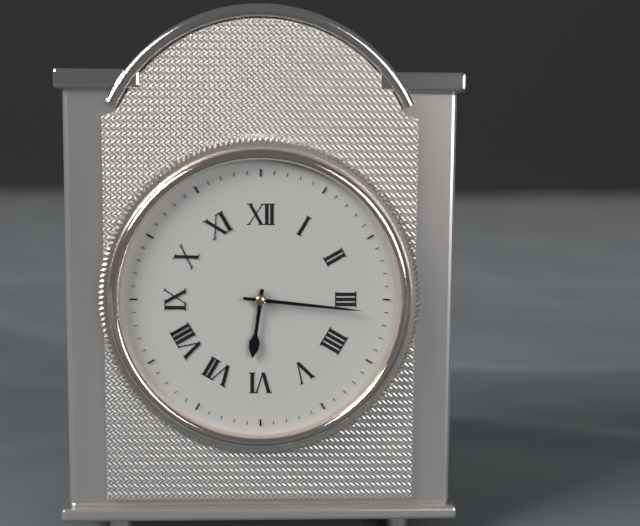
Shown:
6:16
